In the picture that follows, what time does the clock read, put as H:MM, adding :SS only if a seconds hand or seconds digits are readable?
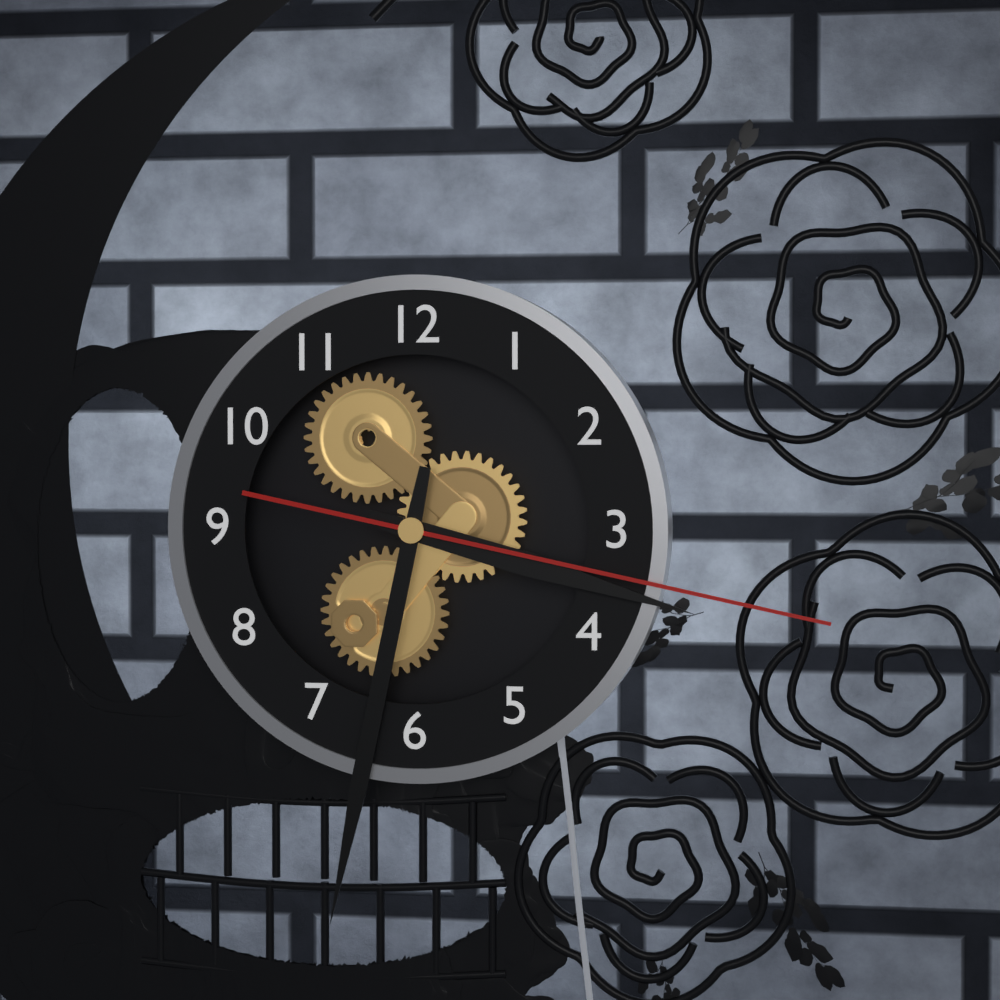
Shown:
3:32:17
